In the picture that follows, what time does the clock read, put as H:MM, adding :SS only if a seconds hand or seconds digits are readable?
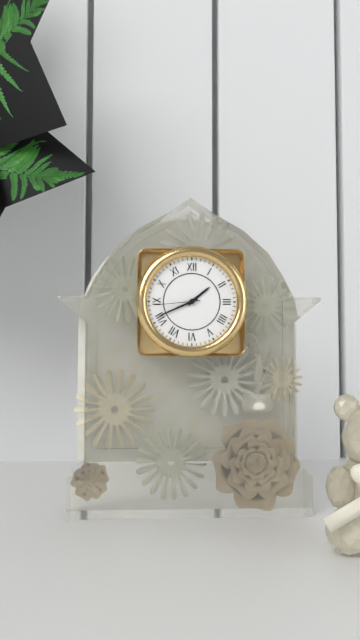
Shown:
1:41
